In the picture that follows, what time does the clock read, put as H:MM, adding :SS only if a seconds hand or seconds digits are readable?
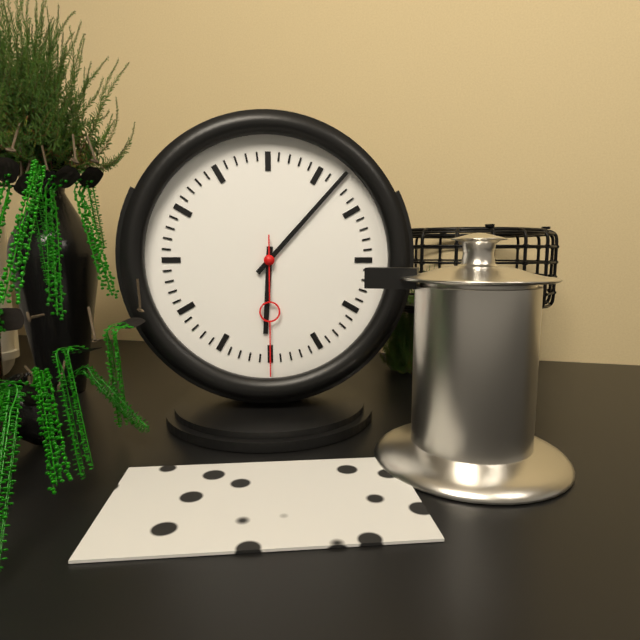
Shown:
6:07:30
